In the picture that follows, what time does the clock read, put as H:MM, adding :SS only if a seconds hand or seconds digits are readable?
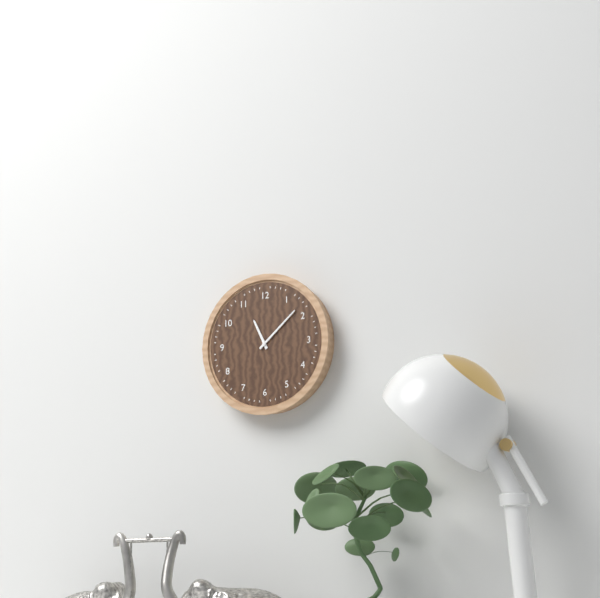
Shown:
11:08
